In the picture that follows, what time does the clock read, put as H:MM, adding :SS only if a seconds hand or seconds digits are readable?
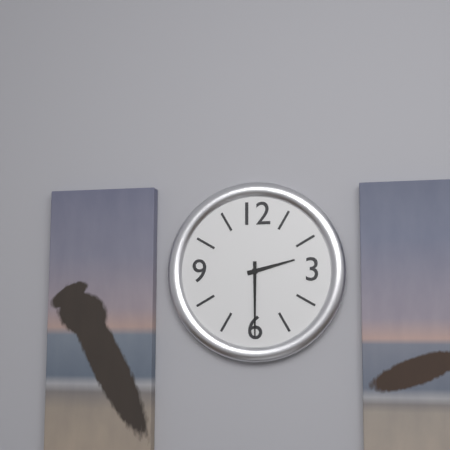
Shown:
2:30
